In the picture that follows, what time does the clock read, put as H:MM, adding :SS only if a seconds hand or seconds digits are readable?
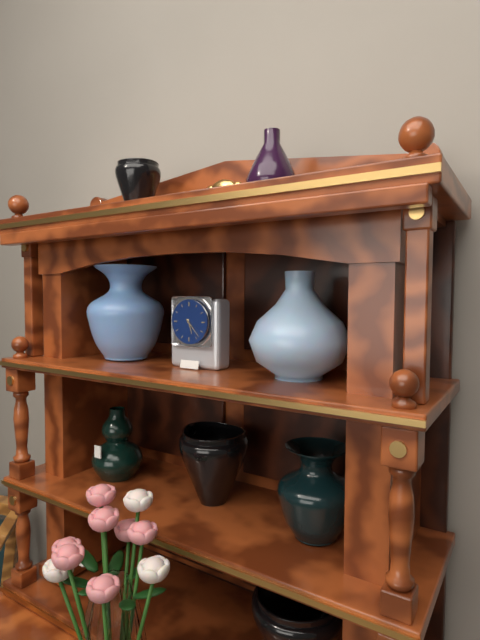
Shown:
5:23
